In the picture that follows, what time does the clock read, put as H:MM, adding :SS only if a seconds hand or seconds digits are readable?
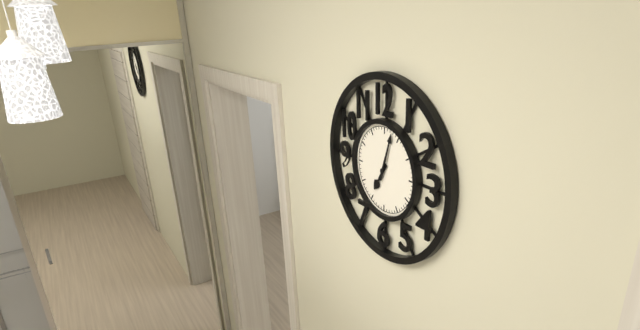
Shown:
7:03
